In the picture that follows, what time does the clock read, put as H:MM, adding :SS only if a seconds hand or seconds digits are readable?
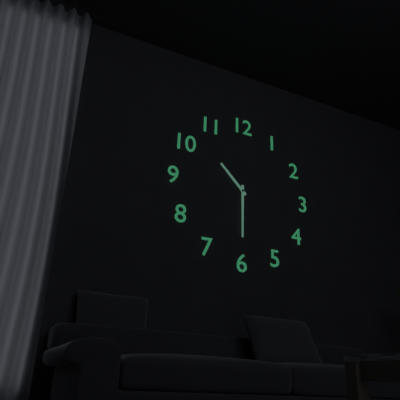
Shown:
10:30
